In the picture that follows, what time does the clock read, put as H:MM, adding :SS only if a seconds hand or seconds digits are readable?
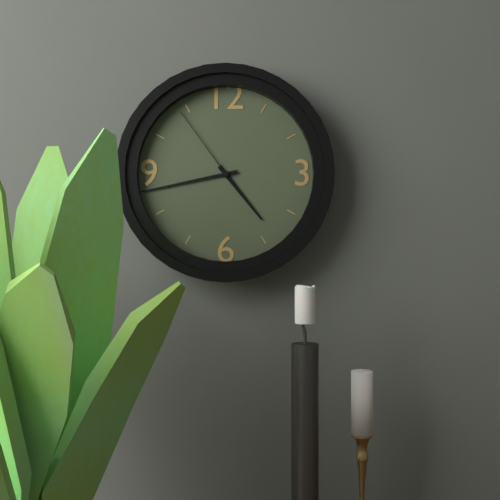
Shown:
4:43:54
